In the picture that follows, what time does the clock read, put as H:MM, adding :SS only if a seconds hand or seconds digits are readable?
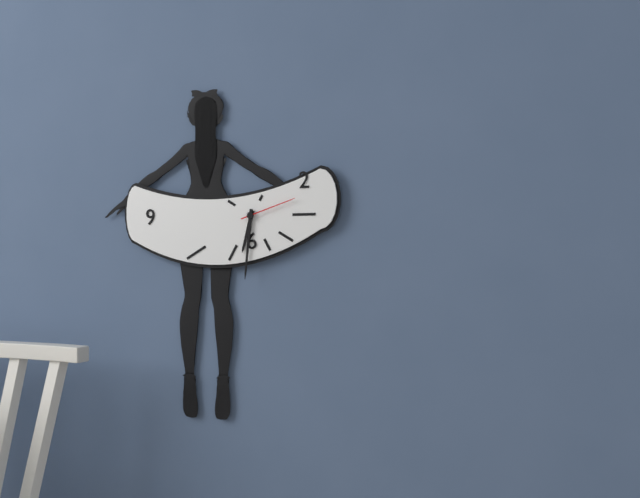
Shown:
6:31:12
